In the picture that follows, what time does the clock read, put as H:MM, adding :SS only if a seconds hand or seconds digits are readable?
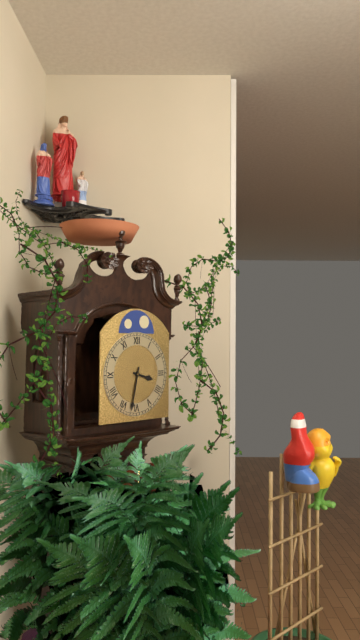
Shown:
3:32
